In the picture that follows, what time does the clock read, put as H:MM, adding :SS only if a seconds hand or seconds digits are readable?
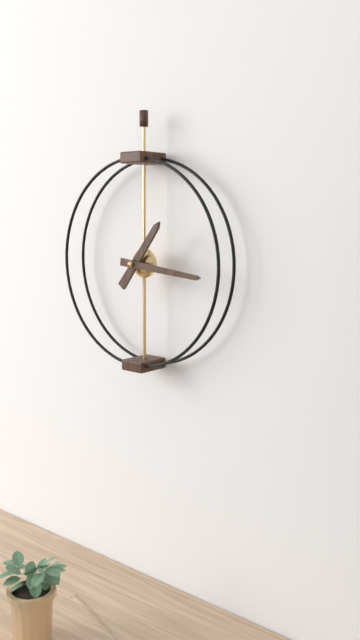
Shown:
1:16
